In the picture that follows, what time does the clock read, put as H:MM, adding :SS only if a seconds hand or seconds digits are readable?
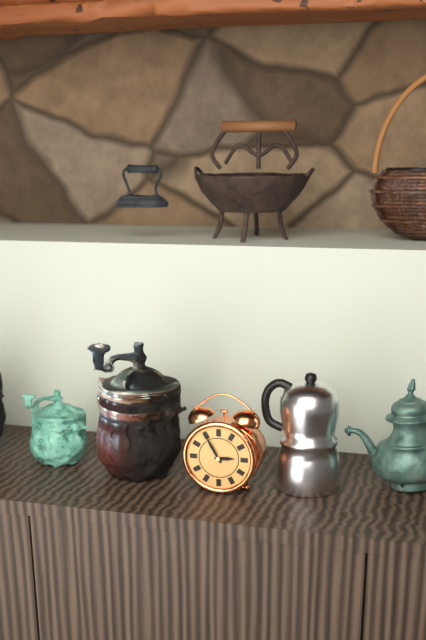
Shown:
2:55
